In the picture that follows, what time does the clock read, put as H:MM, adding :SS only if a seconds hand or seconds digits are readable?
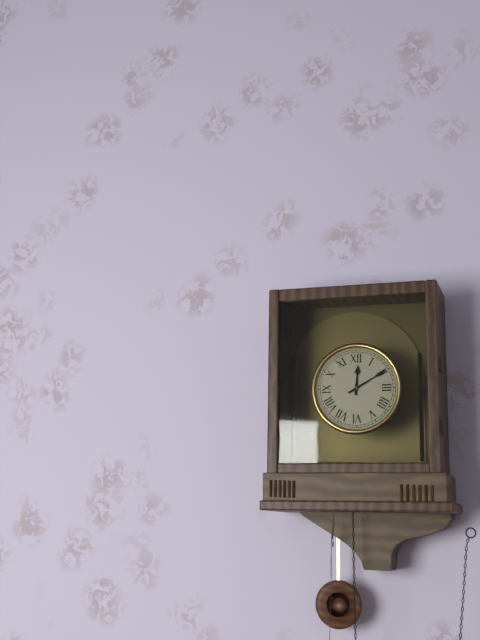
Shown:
12:10
